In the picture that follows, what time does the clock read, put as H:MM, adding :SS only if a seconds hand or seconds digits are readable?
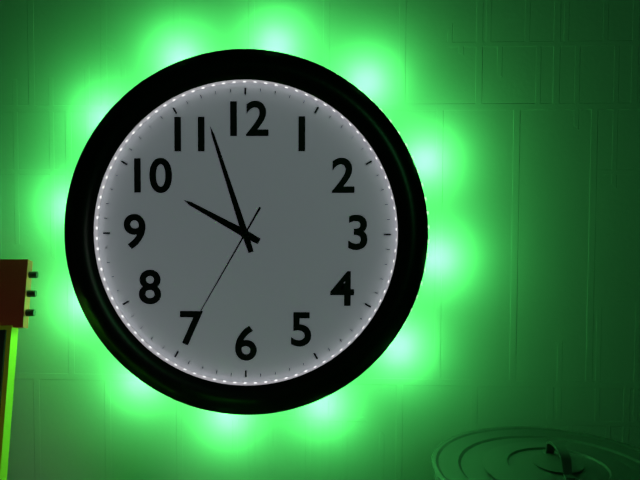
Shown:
9:57:35
